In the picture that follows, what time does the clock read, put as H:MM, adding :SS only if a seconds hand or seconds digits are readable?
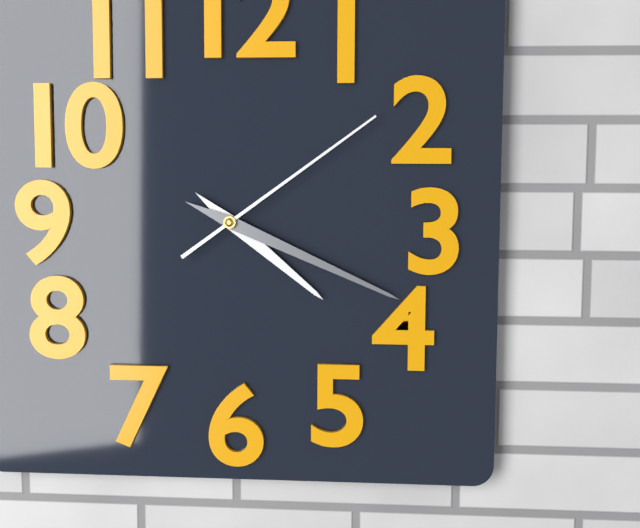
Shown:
4:19:09
